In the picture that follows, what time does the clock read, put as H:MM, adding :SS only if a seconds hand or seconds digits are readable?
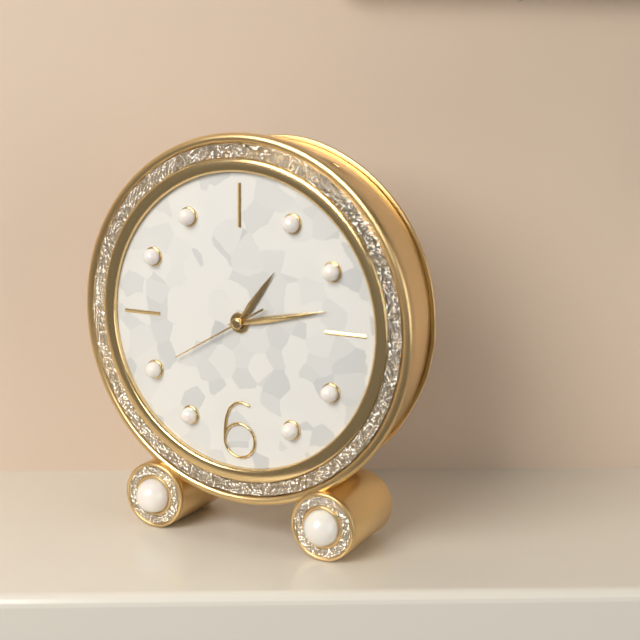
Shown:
1:13:40
